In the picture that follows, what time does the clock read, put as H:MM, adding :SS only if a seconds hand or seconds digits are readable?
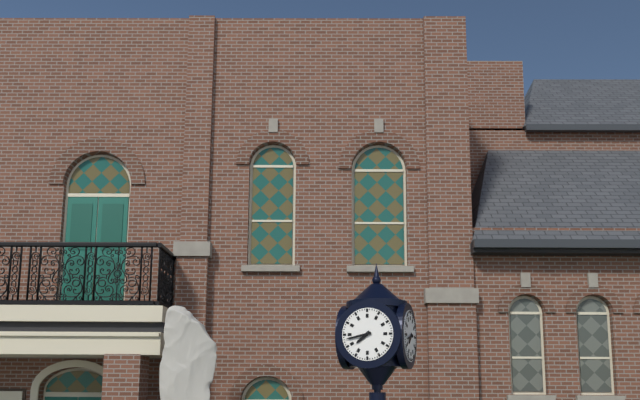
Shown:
7:43
